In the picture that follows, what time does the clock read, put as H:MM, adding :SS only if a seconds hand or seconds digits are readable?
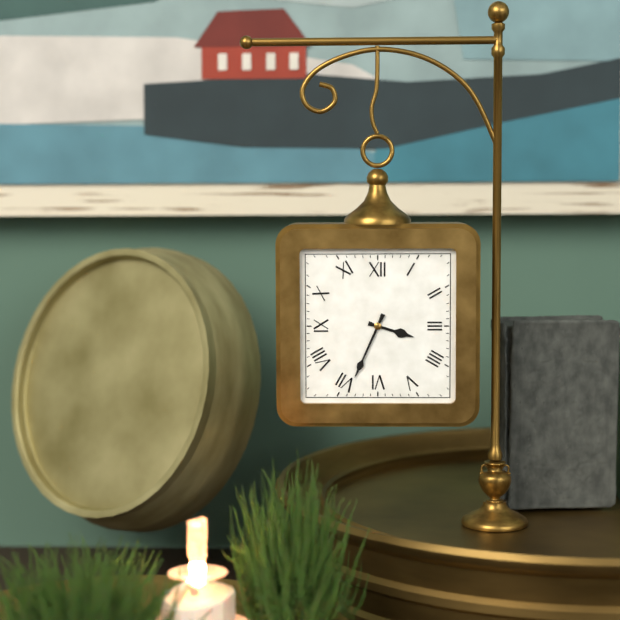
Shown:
3:34
